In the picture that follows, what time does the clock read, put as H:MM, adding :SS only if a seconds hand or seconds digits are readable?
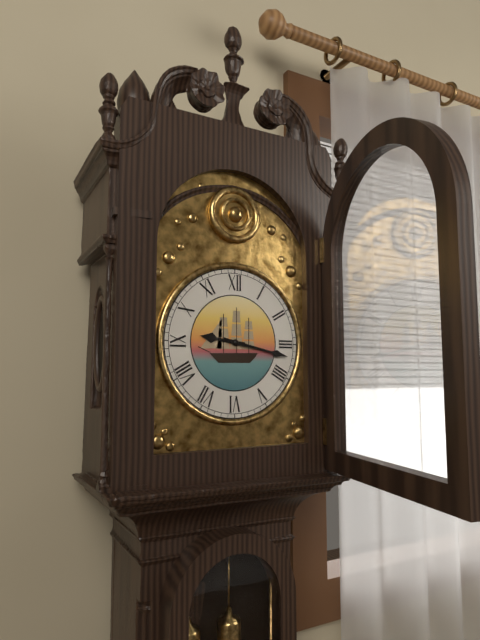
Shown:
9:17
